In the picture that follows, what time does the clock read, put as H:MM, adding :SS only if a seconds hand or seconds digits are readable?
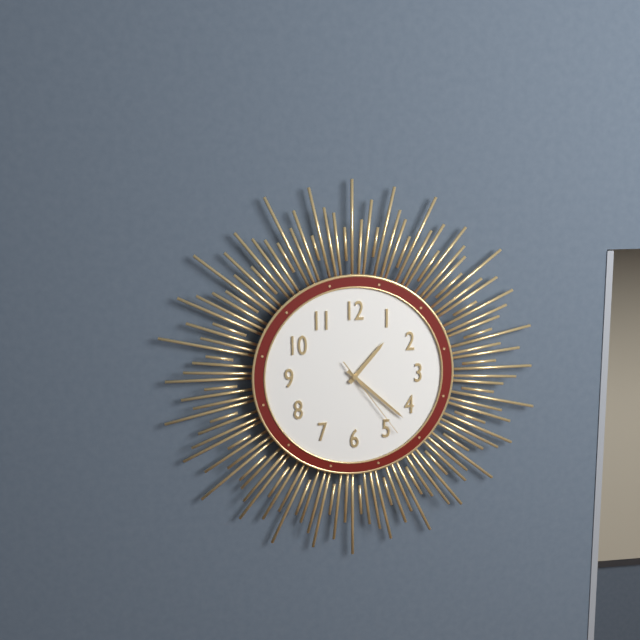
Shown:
1:22:24
